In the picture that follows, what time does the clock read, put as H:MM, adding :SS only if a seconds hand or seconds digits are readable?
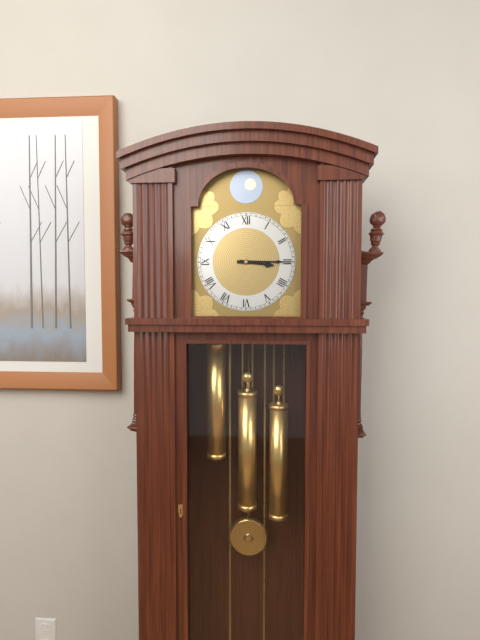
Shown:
3:15
